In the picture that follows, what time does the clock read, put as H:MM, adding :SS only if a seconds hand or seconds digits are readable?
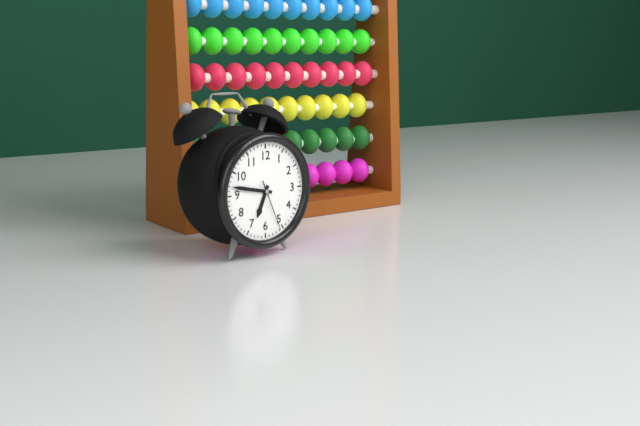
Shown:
6:47:26
